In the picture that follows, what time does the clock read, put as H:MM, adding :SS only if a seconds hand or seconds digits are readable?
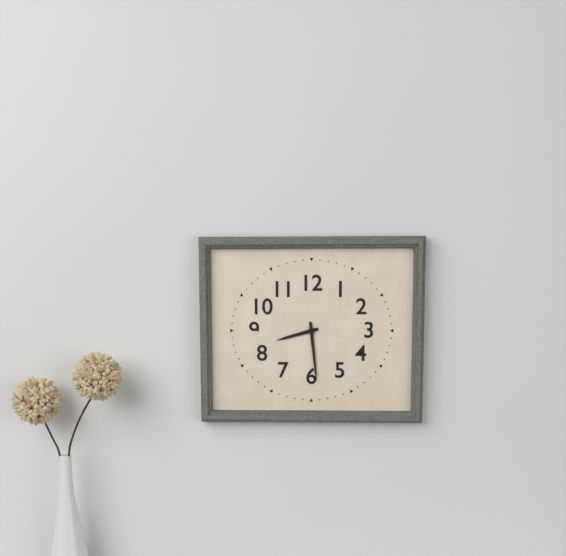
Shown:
8:29
